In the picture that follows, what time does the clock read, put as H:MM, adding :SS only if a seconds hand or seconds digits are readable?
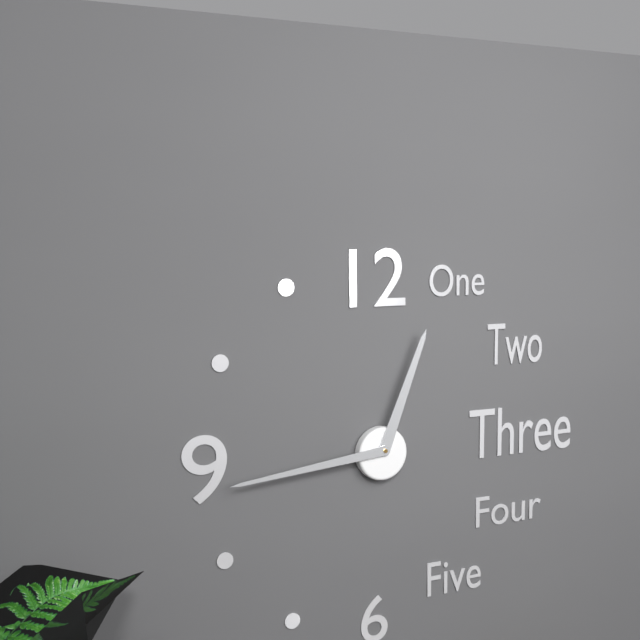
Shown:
12:44
